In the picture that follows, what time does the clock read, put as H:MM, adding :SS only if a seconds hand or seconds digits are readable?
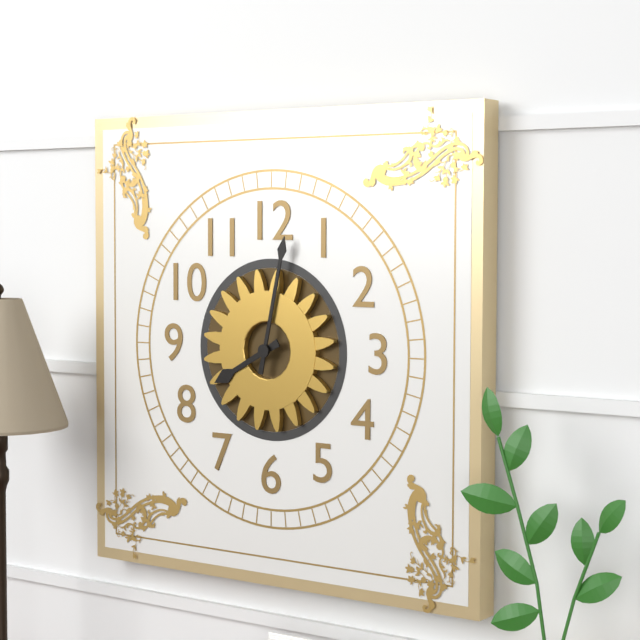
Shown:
8:02
